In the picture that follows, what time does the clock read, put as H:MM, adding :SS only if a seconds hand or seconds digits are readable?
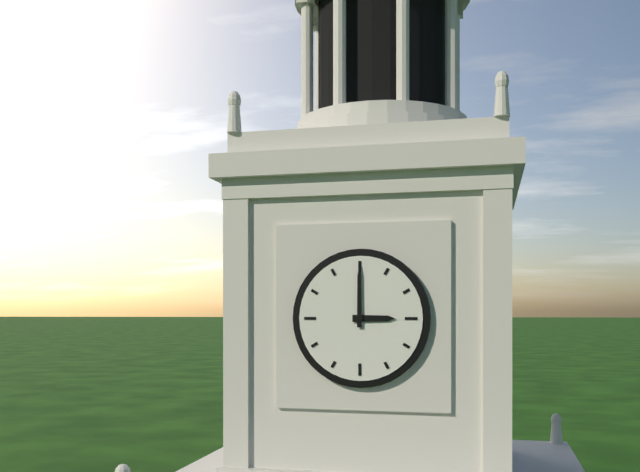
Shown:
3:00
